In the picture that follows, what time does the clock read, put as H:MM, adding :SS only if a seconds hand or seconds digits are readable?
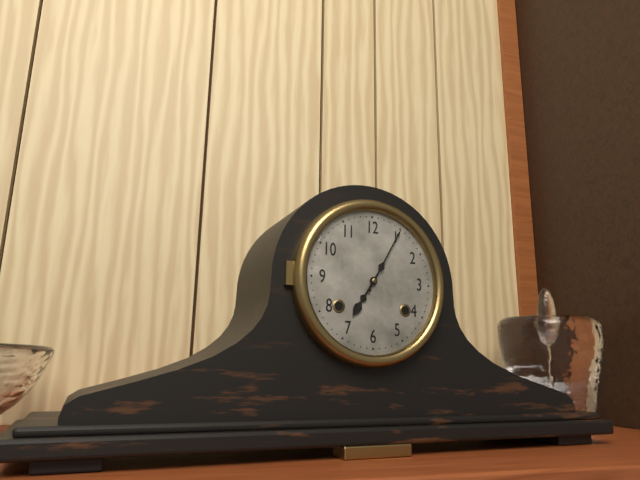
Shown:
7:05
